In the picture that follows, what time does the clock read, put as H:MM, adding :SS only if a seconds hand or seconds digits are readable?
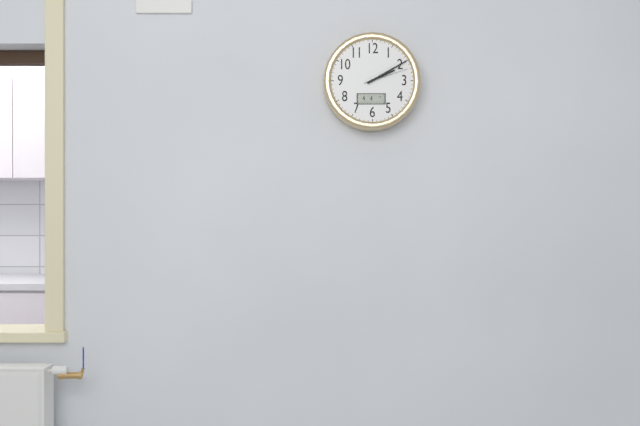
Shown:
2:10
